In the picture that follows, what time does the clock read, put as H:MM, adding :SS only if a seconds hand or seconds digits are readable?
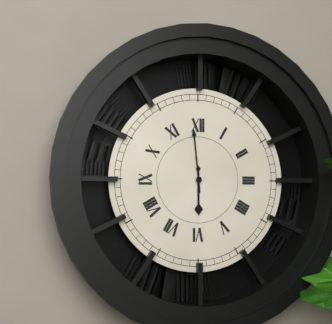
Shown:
5:59
